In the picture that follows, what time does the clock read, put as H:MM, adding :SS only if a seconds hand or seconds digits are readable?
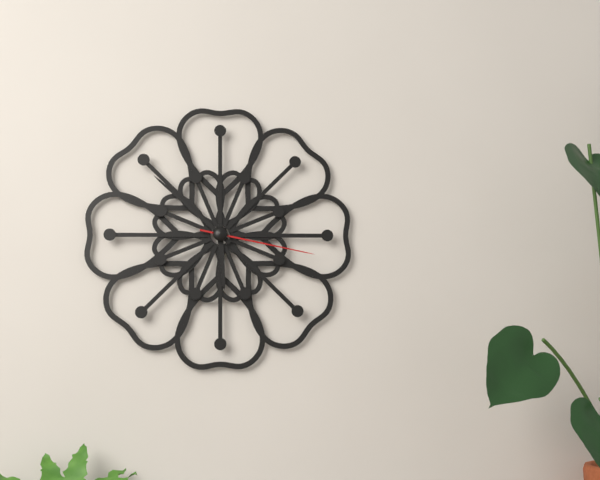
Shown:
5:52:17
